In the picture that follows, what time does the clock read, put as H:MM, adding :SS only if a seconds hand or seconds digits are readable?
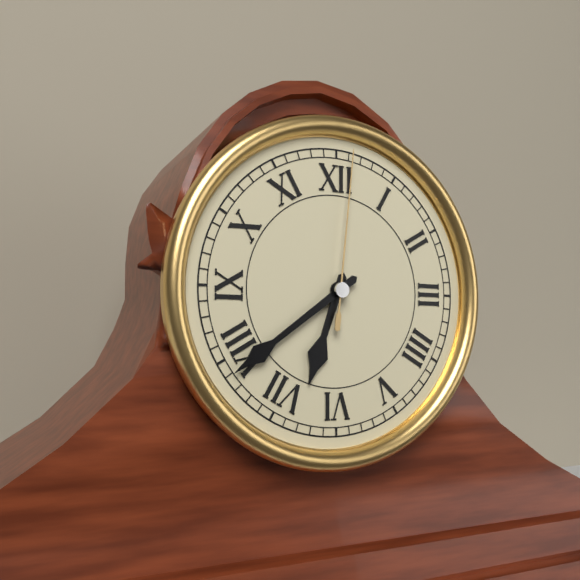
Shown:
6:39:01
